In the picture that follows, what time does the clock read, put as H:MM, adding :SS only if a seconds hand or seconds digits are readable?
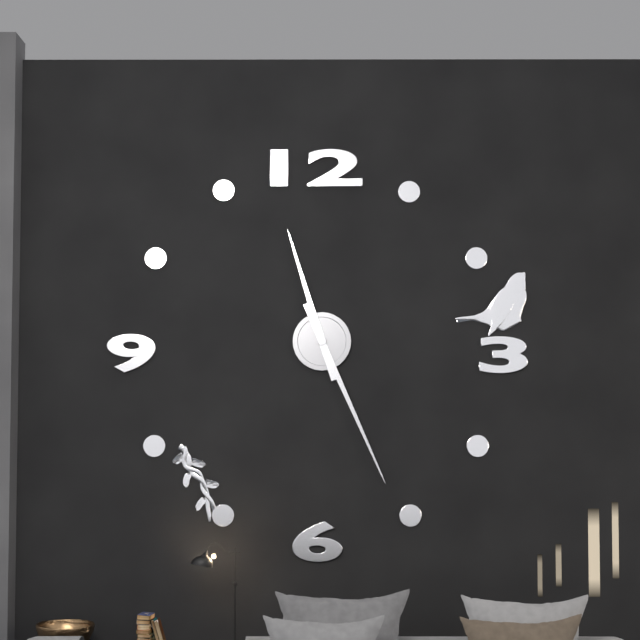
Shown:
11:26
